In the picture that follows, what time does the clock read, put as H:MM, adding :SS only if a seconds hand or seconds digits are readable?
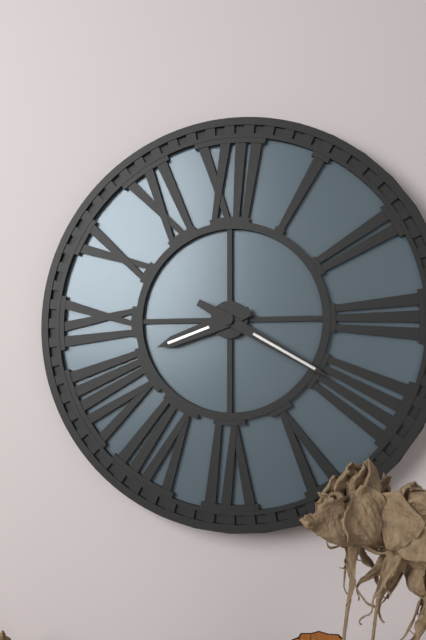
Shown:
8:20
